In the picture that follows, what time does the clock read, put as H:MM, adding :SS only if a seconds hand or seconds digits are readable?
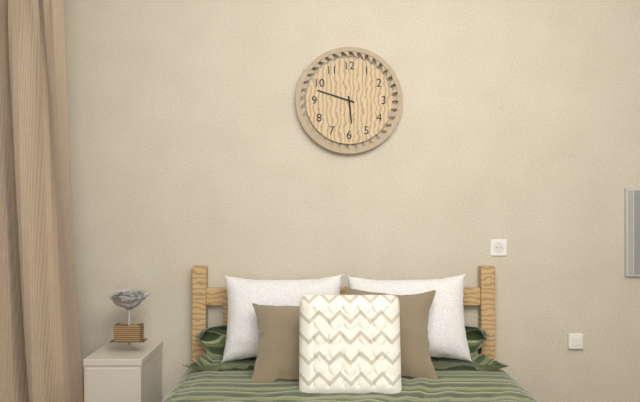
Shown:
5:48
